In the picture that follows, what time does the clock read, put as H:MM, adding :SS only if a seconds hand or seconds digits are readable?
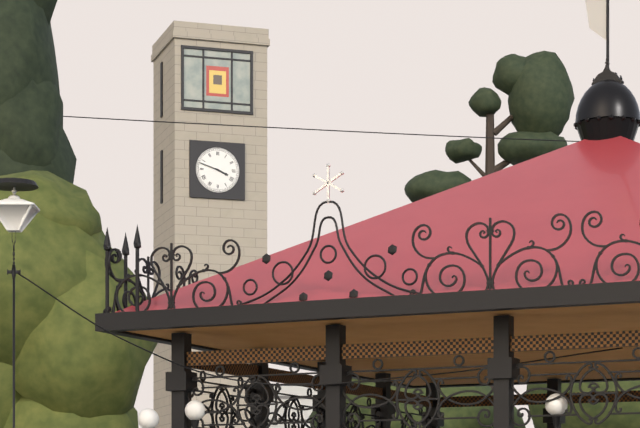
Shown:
3:48
